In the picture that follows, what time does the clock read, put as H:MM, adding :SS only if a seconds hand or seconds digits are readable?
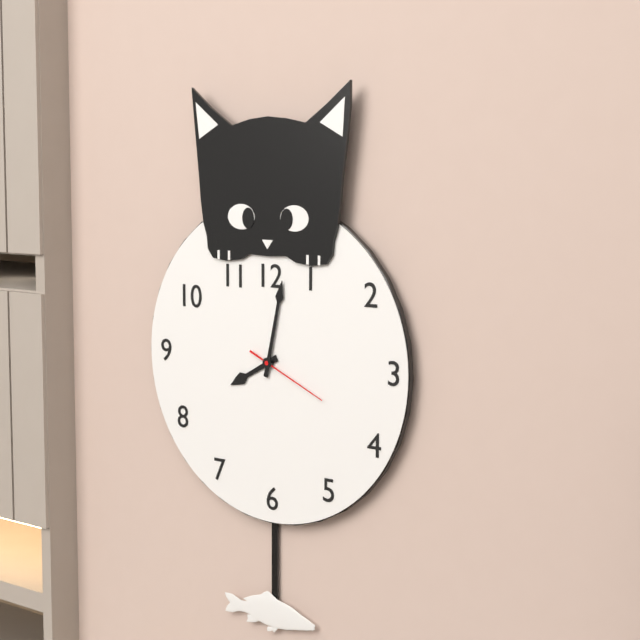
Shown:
8:02:19
